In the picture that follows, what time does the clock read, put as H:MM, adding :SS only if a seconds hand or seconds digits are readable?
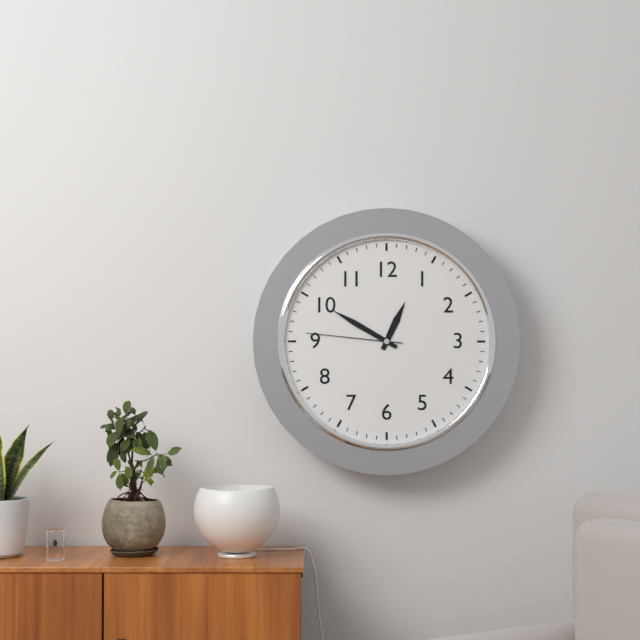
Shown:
12:50:46
